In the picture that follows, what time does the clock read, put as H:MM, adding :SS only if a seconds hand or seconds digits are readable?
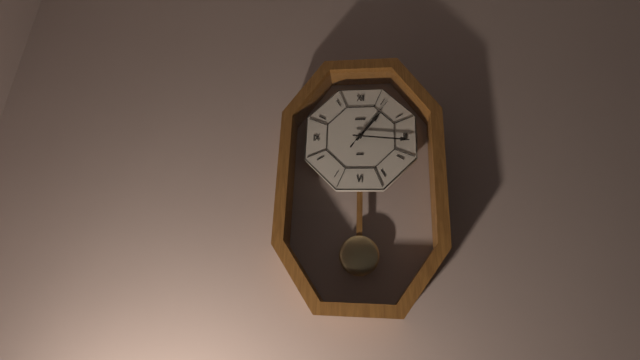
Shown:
1:16:06
